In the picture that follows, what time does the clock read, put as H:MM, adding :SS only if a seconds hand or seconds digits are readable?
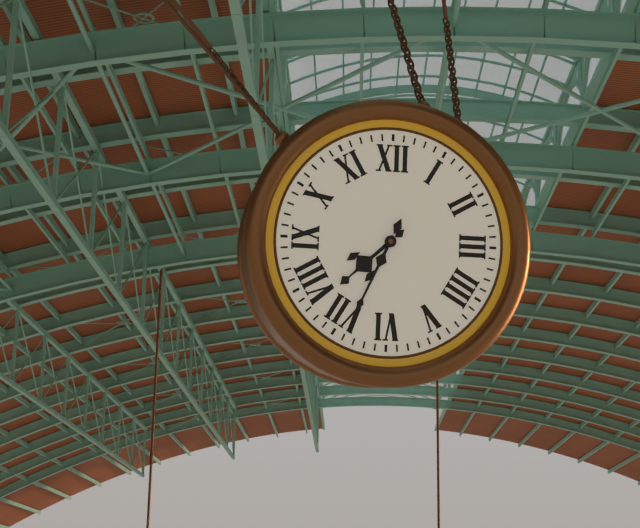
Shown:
7:34
